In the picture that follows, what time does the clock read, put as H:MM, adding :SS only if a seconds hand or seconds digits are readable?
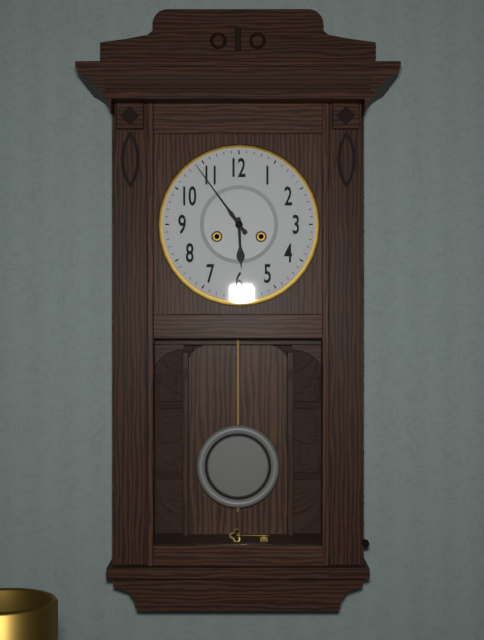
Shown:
5:54
